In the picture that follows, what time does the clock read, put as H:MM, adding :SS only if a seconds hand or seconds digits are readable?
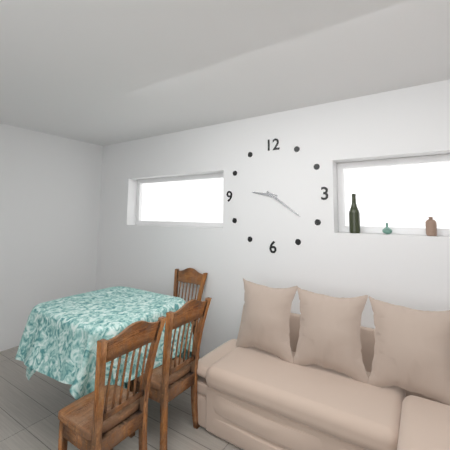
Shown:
9:21
